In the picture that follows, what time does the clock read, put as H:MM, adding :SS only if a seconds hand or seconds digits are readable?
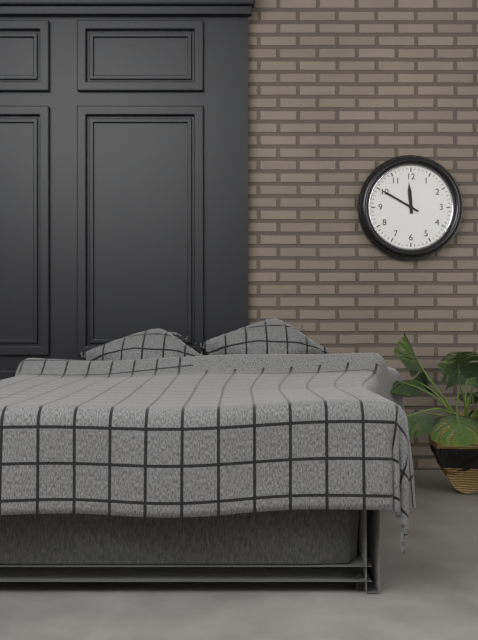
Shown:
11:50
